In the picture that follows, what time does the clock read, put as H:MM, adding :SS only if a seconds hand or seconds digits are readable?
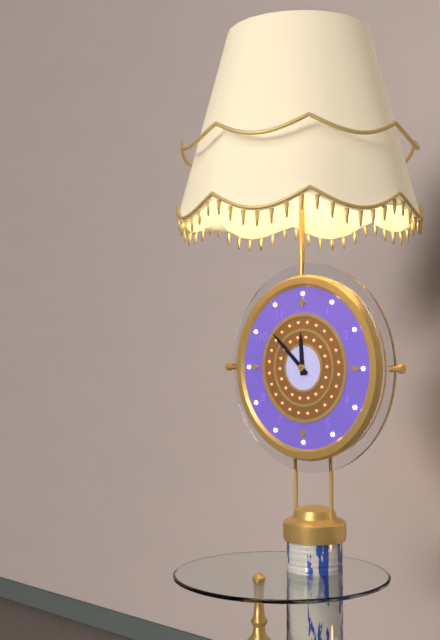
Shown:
11:52
